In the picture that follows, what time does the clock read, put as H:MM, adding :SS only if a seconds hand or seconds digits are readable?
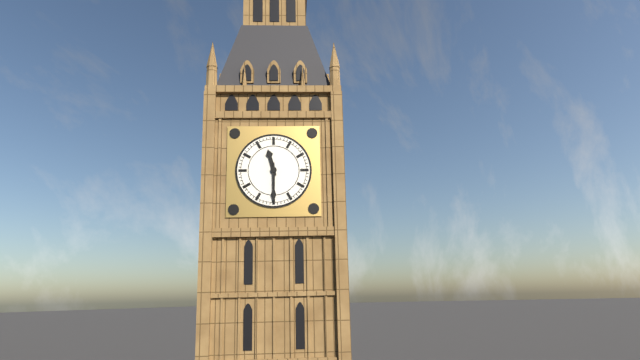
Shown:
11:30
